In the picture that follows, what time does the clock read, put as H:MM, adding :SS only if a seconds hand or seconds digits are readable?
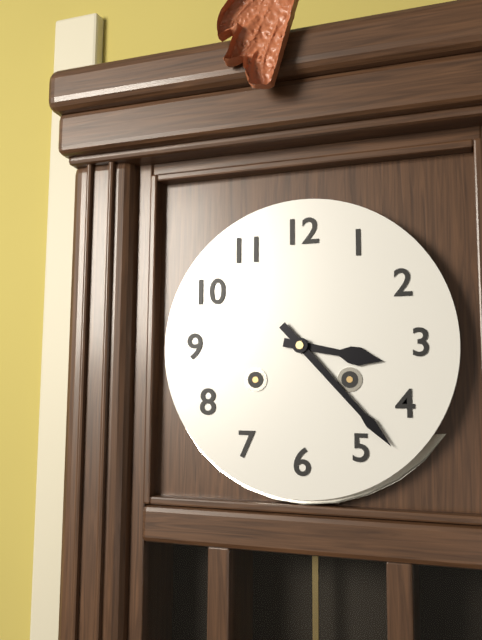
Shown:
3:23
